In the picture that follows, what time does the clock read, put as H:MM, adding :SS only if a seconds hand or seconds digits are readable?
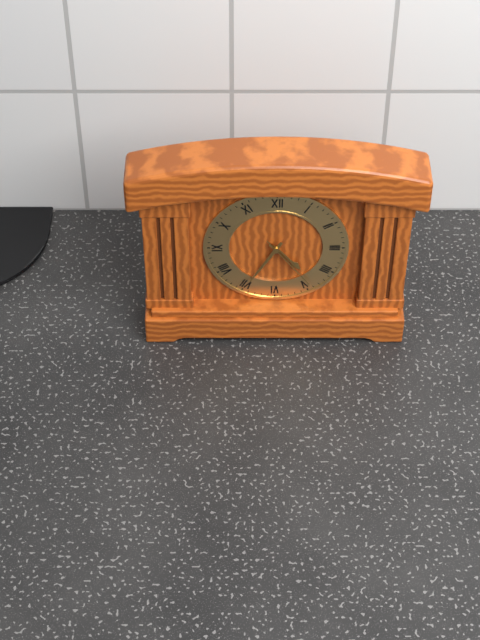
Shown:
4:35:24
